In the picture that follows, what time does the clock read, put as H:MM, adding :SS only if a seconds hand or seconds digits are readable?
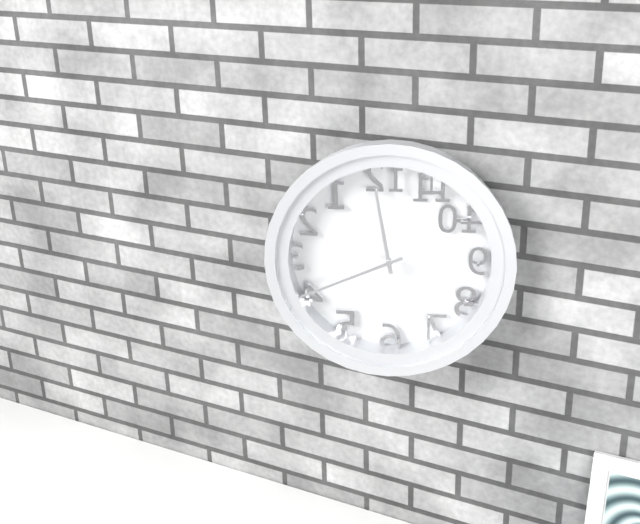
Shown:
11:41
